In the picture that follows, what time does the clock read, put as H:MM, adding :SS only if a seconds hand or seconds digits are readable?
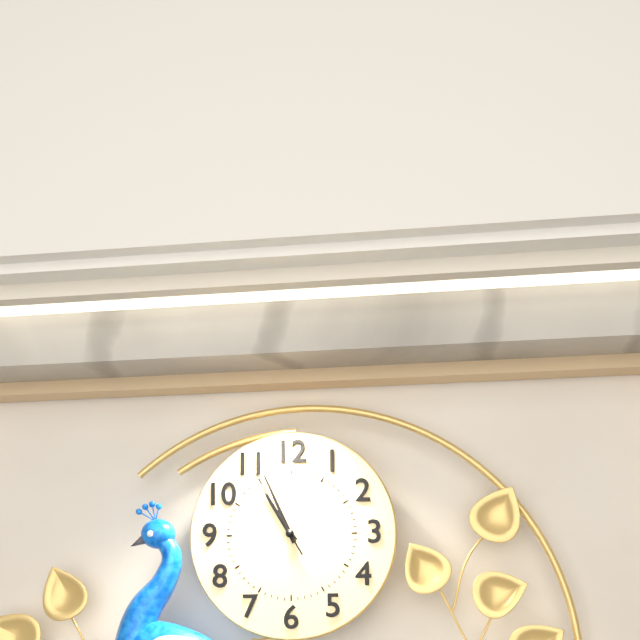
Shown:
10:56:55
